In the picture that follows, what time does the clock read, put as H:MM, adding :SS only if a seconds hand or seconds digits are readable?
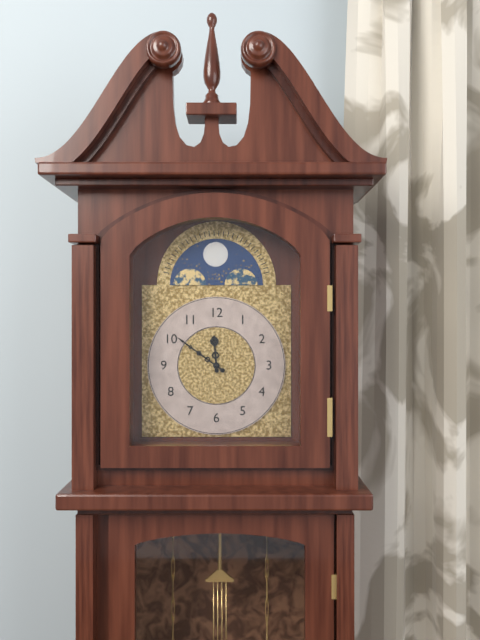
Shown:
11:51
